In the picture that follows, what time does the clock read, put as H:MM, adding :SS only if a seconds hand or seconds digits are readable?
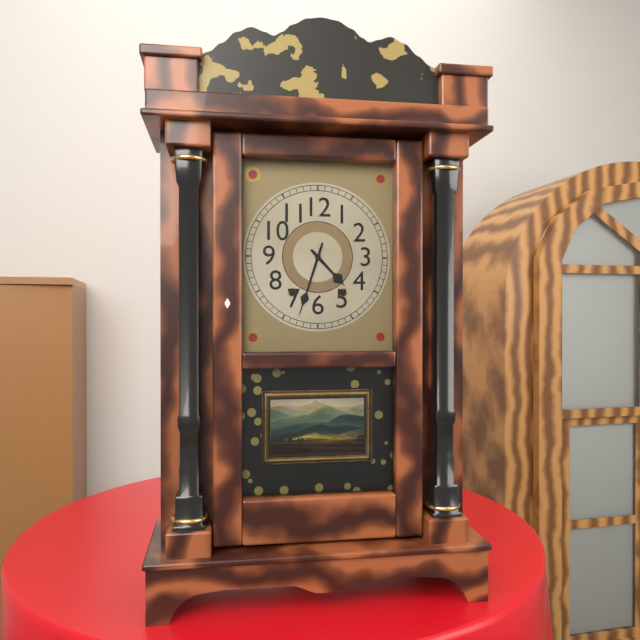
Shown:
4:33
